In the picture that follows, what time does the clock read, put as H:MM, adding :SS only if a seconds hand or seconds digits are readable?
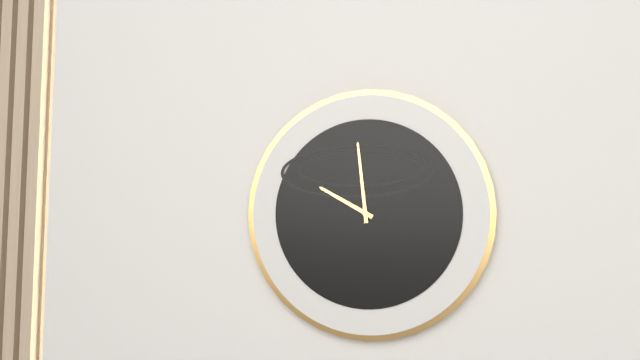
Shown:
9:59
